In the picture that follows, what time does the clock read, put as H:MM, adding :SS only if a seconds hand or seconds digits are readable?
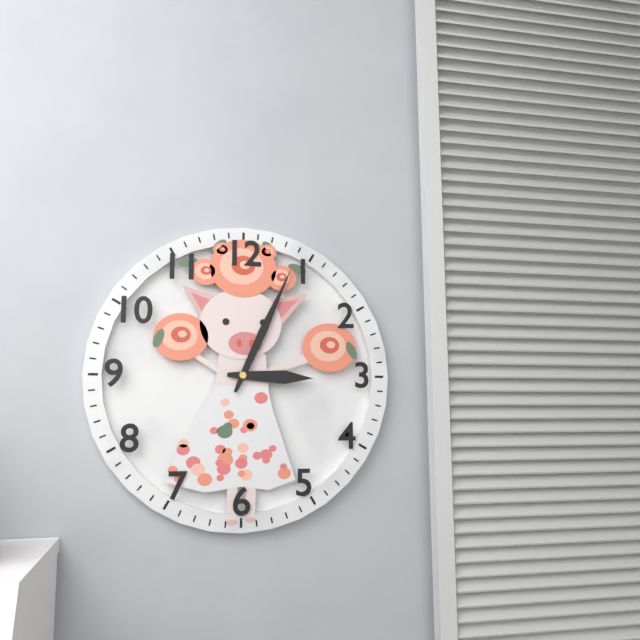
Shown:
3:04
